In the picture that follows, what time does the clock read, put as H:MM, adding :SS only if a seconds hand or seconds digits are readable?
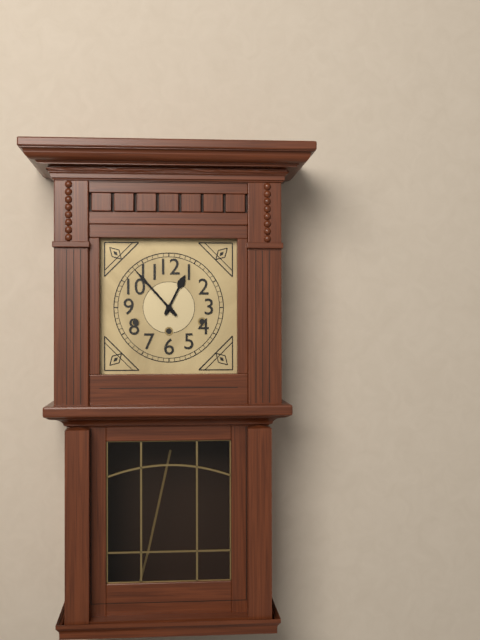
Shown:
12:53
